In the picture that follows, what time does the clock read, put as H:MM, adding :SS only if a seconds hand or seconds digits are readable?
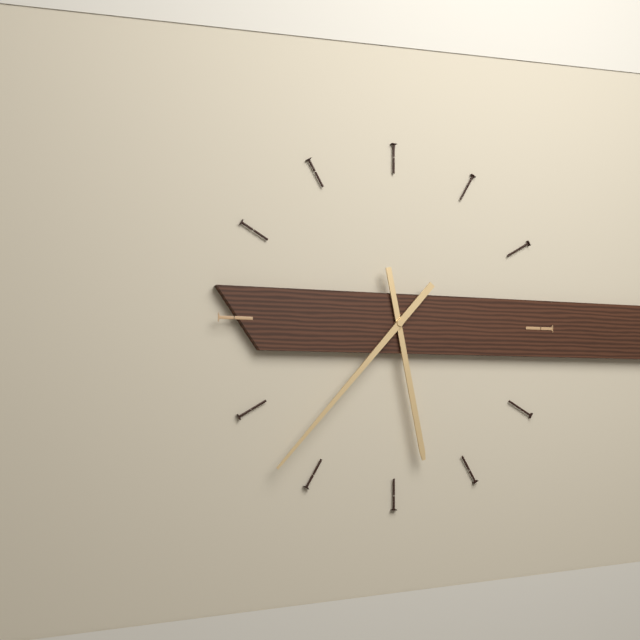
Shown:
5:37
